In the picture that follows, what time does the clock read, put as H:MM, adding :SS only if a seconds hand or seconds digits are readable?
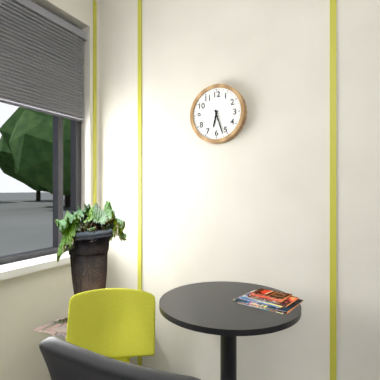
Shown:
6:27
